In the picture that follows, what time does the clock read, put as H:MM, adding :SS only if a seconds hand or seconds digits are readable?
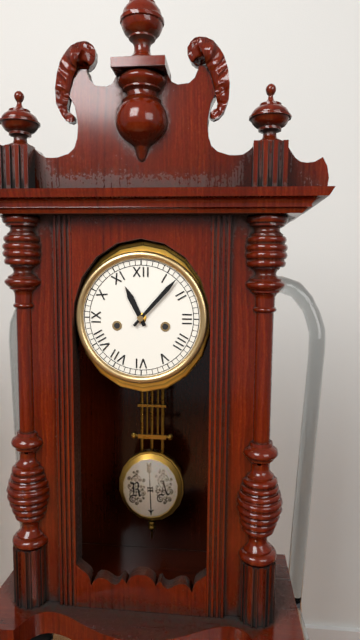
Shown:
11:07
